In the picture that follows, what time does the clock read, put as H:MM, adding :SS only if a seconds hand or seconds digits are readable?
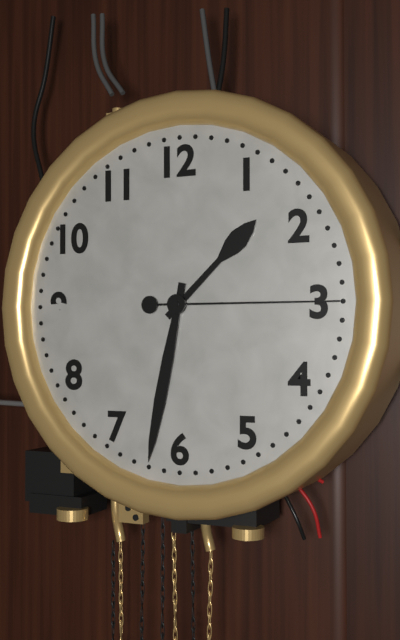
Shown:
1:32:15
